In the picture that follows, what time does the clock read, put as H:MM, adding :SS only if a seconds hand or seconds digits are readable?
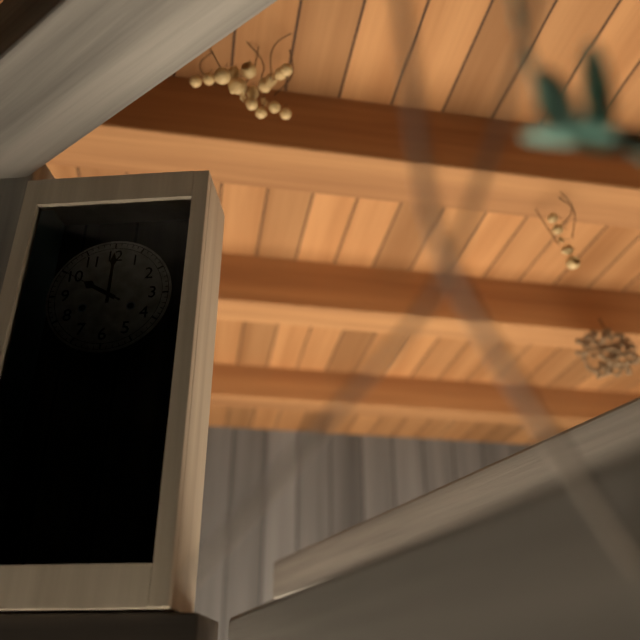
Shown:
10:00:50
